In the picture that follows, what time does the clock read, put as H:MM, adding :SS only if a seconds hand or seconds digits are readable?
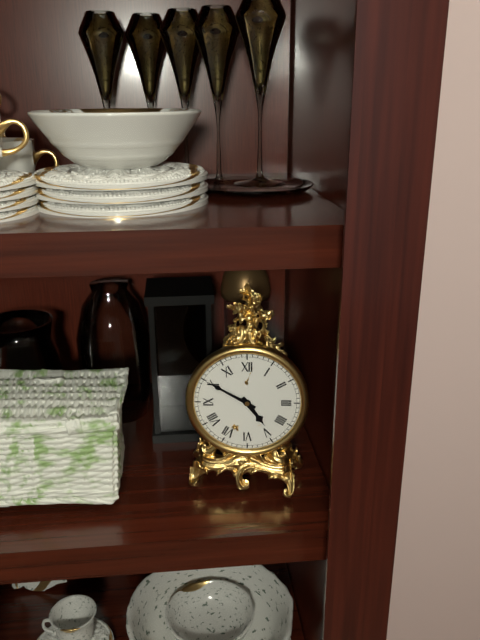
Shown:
4:50
